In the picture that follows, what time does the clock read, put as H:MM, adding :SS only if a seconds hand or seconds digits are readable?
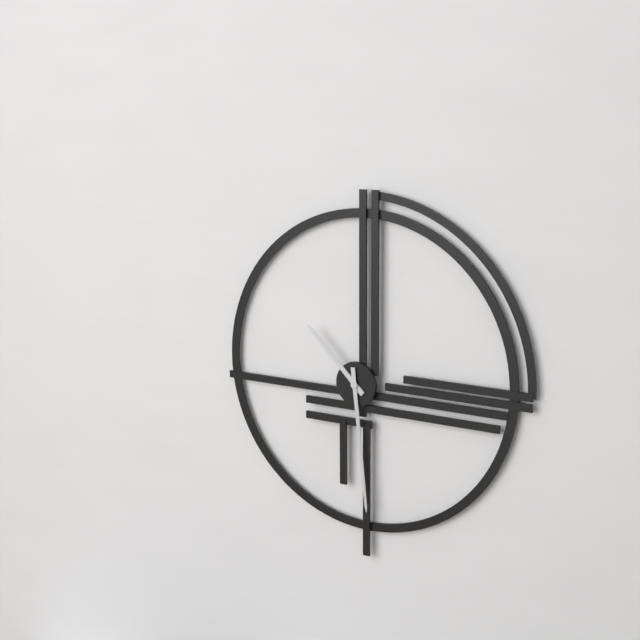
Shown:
10:29
